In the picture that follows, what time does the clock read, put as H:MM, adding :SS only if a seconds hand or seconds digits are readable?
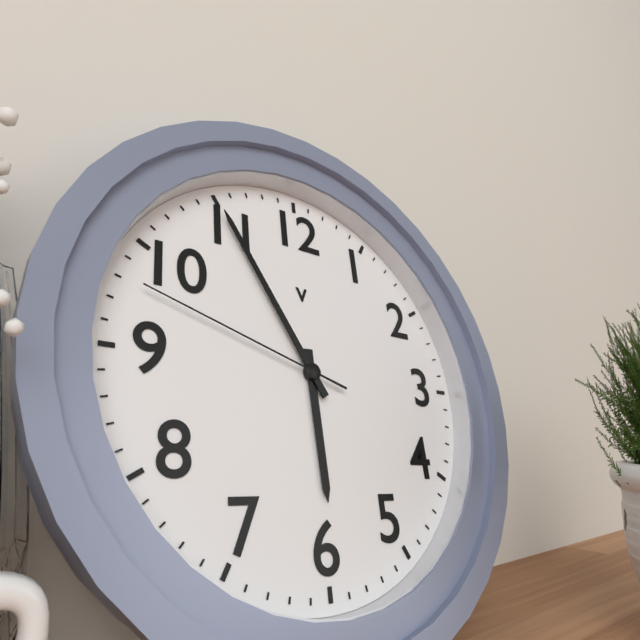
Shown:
5:55:48
